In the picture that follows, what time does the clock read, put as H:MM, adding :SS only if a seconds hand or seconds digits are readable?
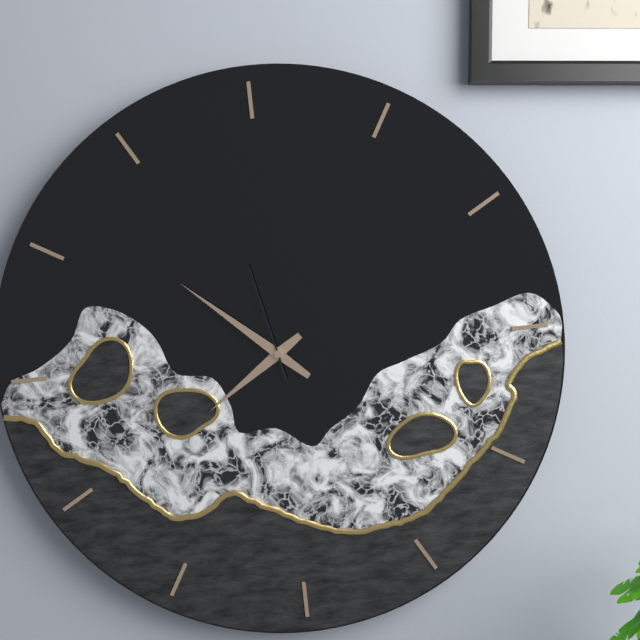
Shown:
7:52:58
